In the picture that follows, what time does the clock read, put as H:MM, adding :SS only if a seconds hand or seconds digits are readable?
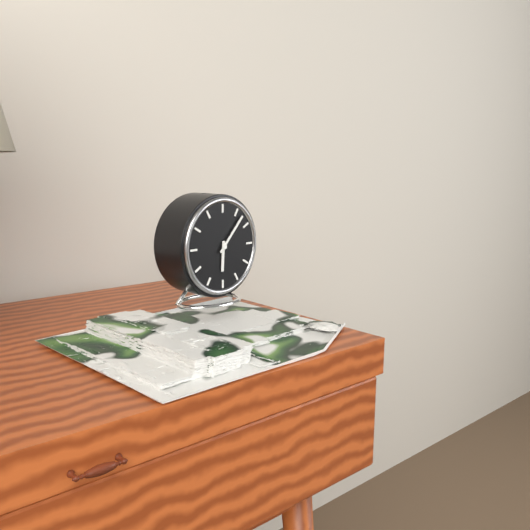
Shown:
6:07
